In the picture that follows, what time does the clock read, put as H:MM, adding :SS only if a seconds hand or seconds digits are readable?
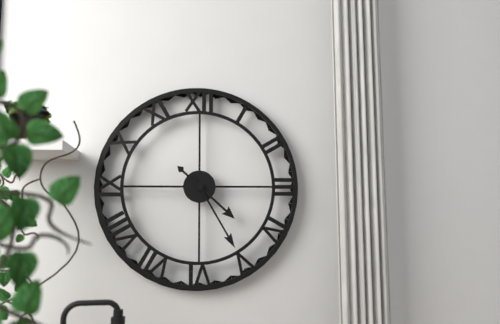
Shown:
4:25
